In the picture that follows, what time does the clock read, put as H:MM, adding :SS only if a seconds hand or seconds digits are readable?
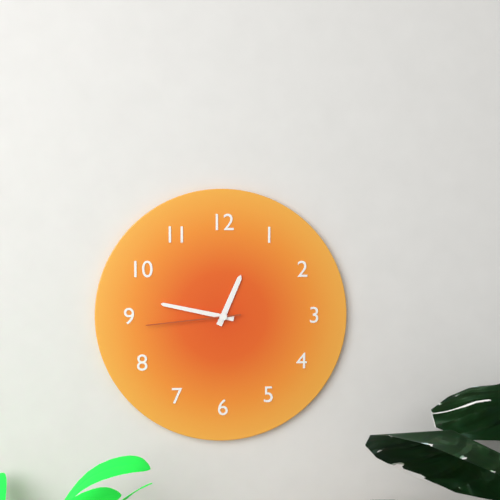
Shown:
12:47:44
